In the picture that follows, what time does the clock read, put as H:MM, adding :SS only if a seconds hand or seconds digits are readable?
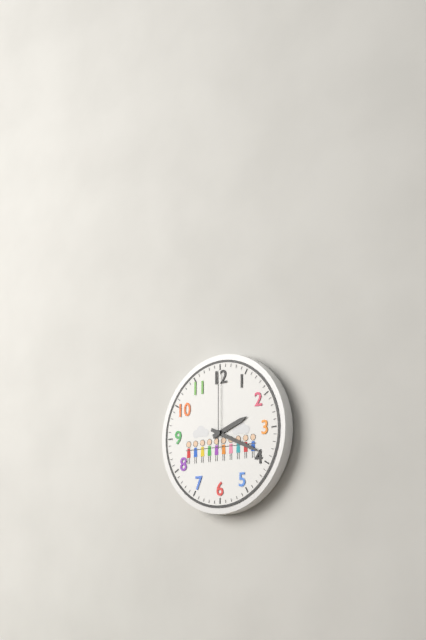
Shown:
2:19:00
